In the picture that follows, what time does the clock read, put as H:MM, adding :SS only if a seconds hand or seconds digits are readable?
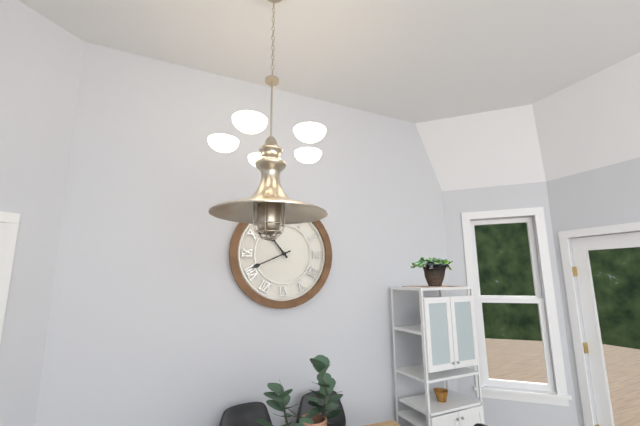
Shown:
10:41
